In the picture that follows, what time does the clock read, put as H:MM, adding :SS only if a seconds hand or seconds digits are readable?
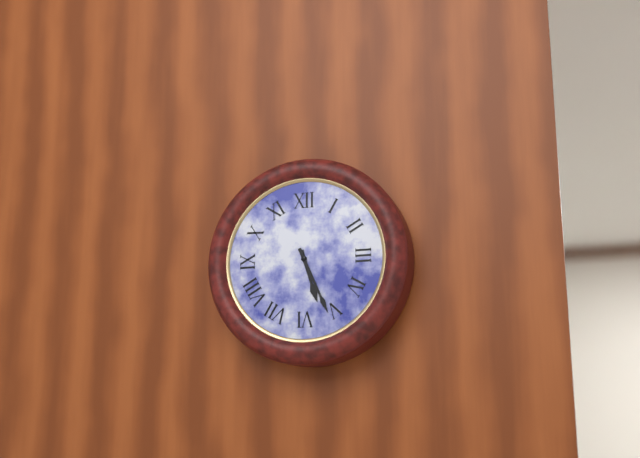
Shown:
5:26
